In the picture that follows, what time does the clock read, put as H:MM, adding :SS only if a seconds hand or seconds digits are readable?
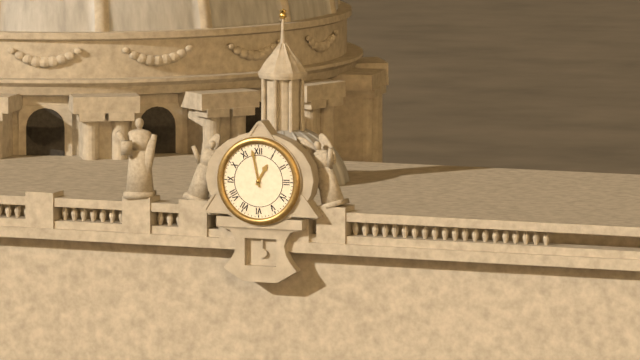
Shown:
12:58
